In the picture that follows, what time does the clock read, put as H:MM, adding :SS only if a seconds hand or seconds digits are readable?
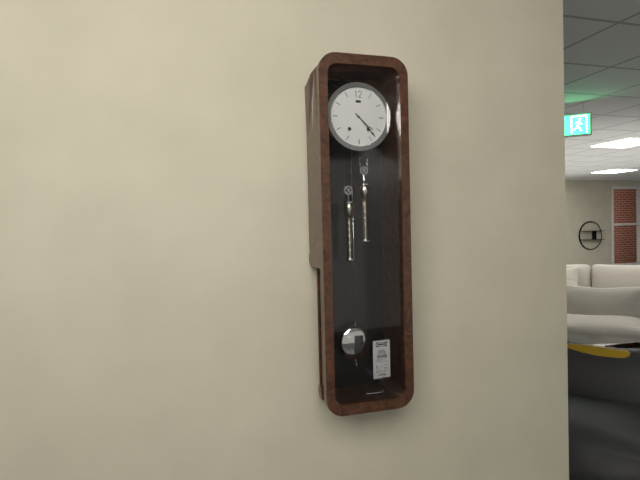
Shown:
4:23
